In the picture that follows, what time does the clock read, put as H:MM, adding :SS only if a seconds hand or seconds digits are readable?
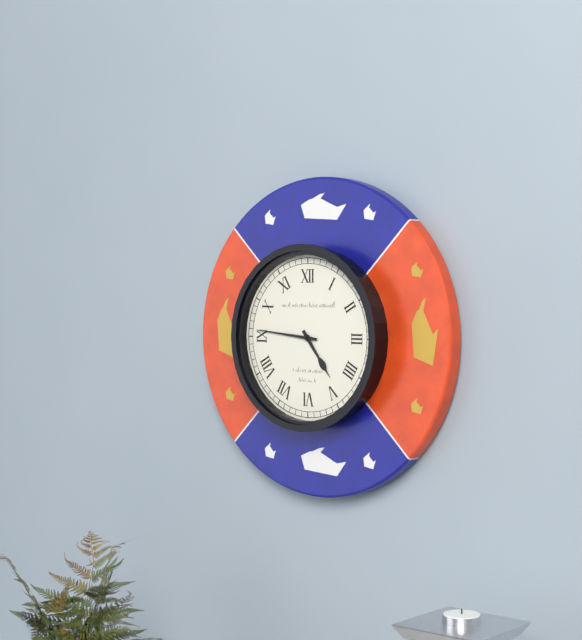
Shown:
4:46
